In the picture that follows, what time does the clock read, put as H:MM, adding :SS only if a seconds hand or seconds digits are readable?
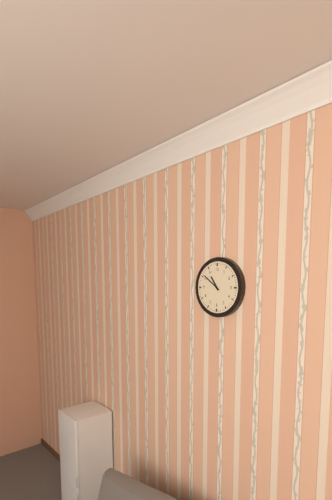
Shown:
10:51
